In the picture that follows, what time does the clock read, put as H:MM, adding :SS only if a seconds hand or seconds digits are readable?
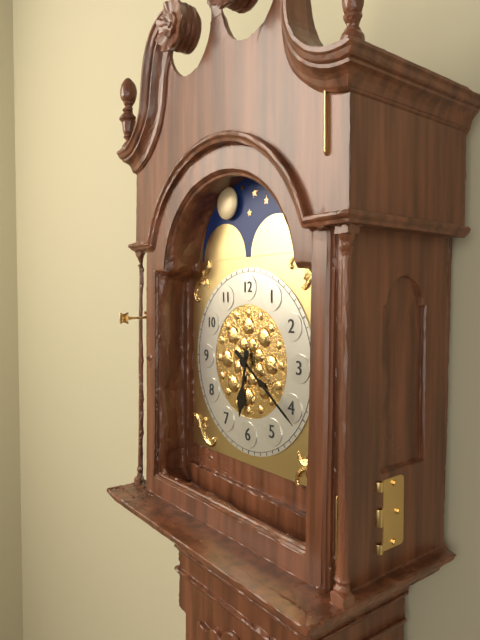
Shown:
6:21
